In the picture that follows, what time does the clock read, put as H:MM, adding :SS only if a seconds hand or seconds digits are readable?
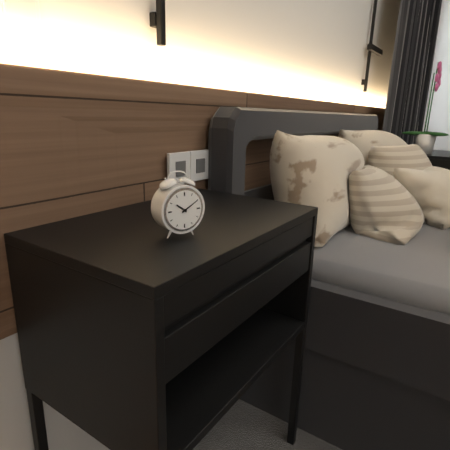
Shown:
10:10
